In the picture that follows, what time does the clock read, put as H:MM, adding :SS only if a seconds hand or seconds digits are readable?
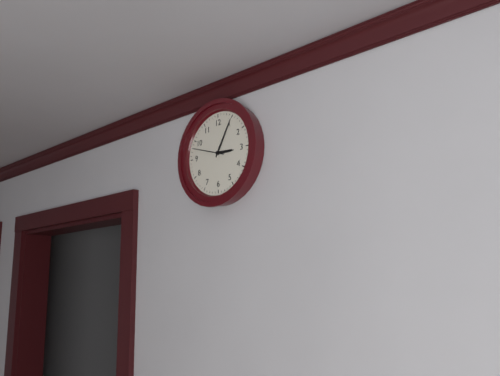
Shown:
3:05
